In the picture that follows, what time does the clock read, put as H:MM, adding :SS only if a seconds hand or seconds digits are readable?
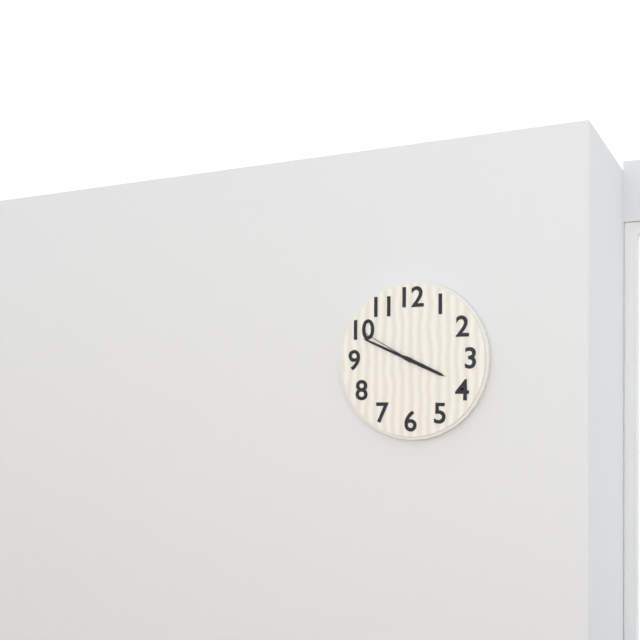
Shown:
3:49:50
